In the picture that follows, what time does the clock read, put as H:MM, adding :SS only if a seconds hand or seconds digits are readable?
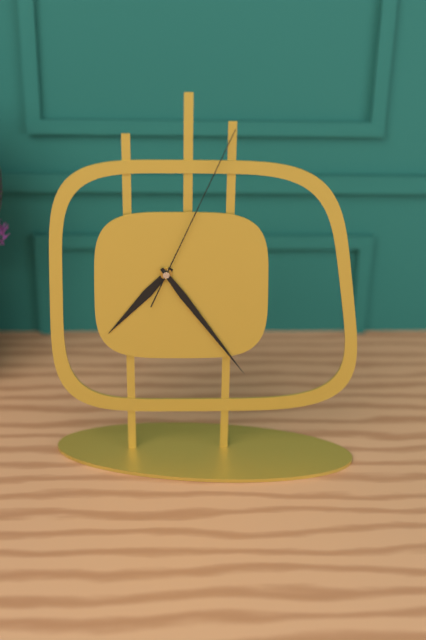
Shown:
7:24:04
